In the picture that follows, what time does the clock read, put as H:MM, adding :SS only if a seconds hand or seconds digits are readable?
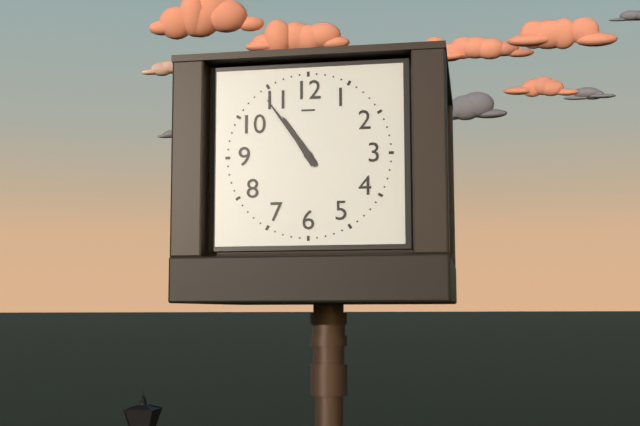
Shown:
10:54
